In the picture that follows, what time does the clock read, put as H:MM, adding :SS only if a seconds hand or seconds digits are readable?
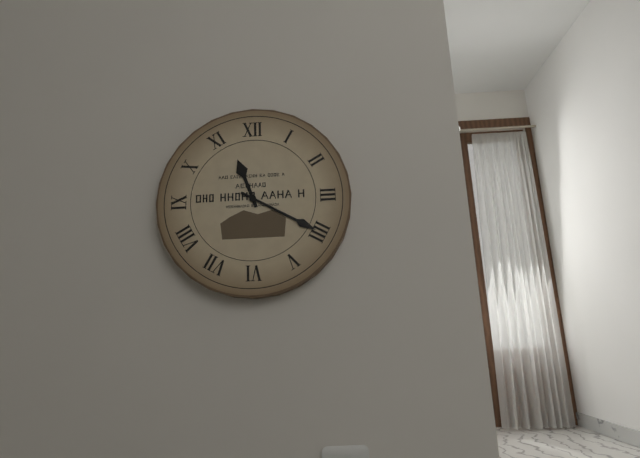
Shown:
11:20
